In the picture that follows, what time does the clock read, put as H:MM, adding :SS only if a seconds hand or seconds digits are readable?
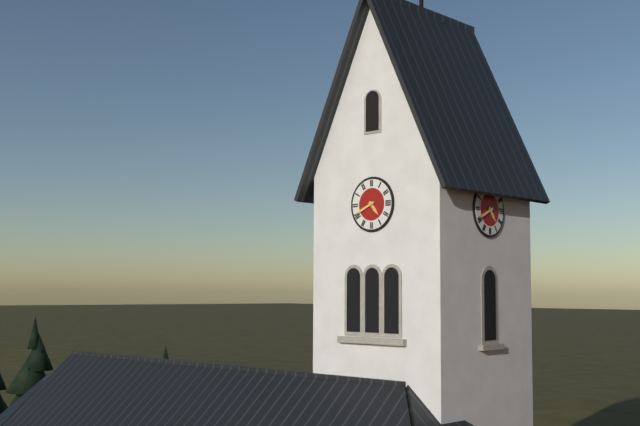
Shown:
4:41
